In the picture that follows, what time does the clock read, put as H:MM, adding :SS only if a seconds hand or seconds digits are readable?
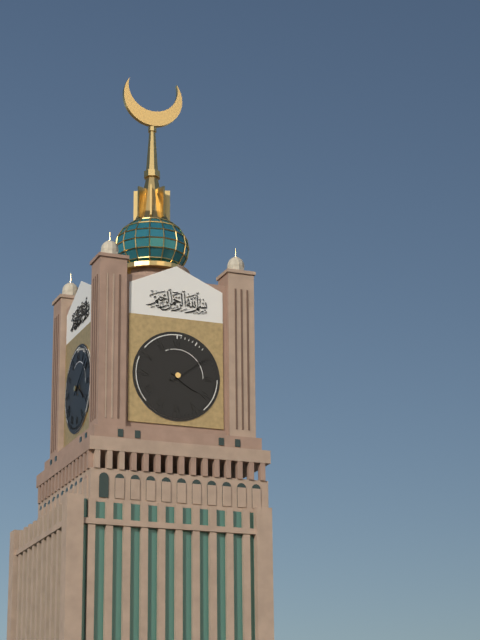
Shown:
4:09
